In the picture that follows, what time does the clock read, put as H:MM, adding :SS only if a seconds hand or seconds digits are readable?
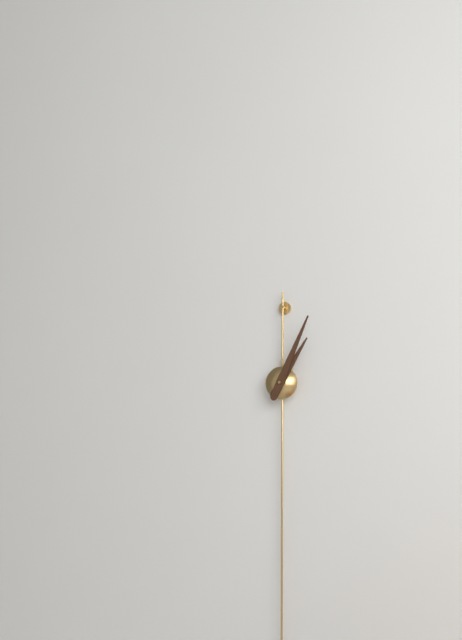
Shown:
1:04
